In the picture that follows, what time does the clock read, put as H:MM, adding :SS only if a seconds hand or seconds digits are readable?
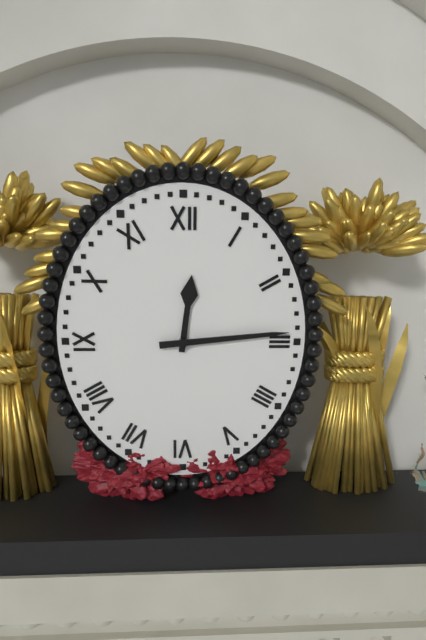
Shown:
12:14
